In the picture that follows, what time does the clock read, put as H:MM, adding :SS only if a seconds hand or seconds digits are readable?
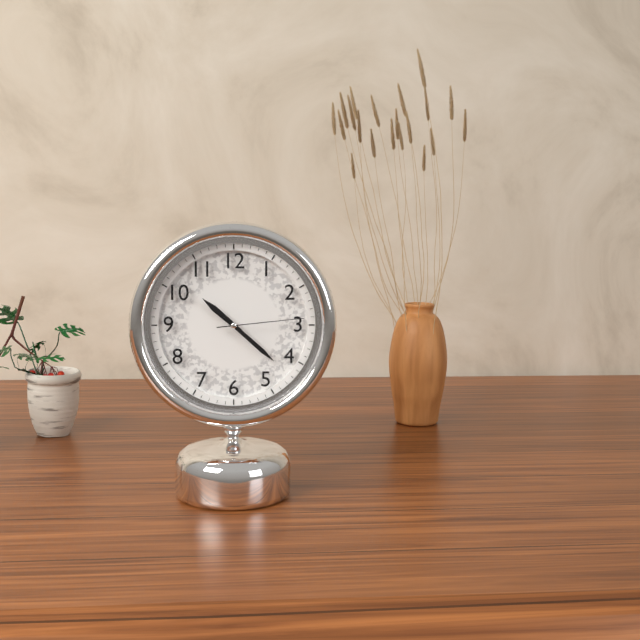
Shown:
10:22:14
